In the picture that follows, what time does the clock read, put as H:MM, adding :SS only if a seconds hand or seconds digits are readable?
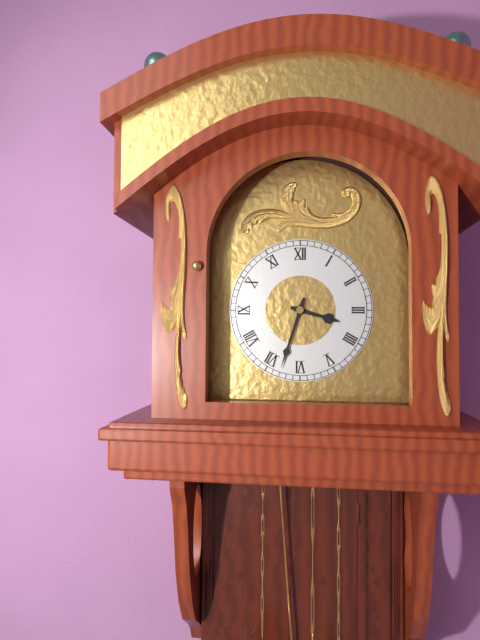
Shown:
3:33
